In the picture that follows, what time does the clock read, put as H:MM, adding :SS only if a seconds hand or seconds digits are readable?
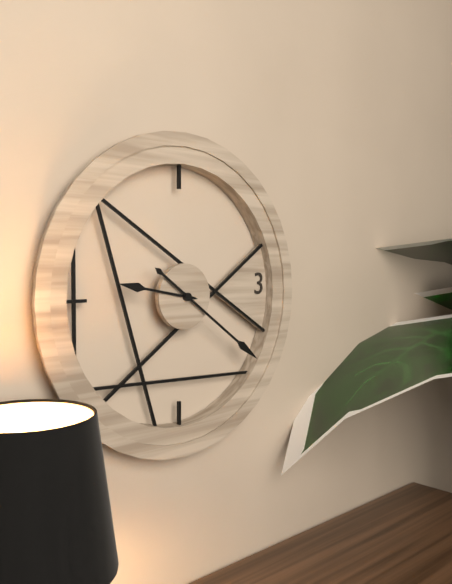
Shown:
9:21
